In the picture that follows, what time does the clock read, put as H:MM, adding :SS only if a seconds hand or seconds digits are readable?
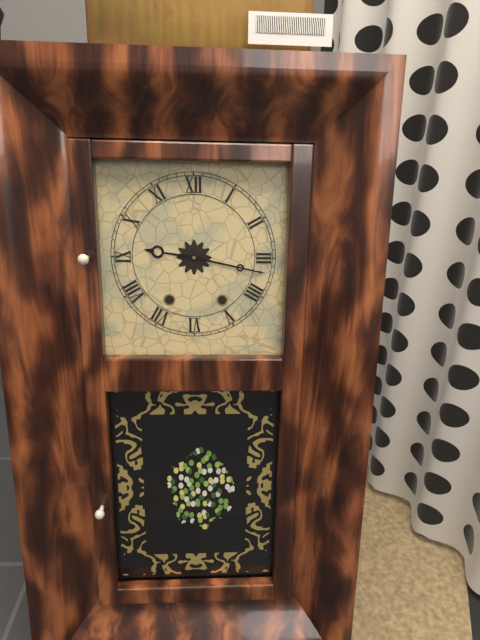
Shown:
9:17
